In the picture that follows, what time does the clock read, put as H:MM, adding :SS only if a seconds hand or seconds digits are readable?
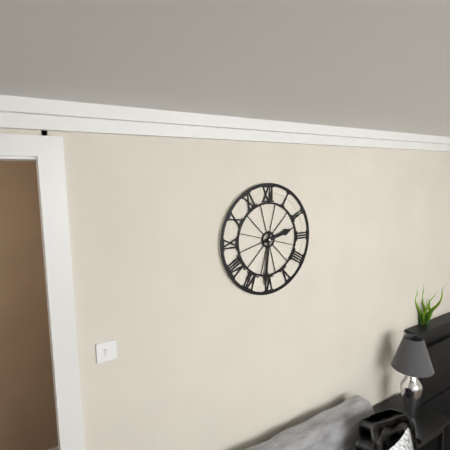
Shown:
2:31
